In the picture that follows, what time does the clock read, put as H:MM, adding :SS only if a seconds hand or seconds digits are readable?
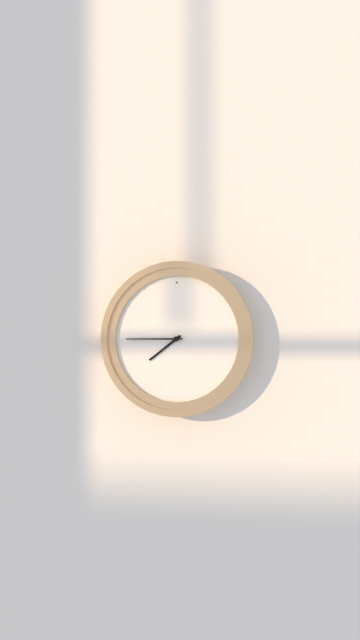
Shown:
7:45
